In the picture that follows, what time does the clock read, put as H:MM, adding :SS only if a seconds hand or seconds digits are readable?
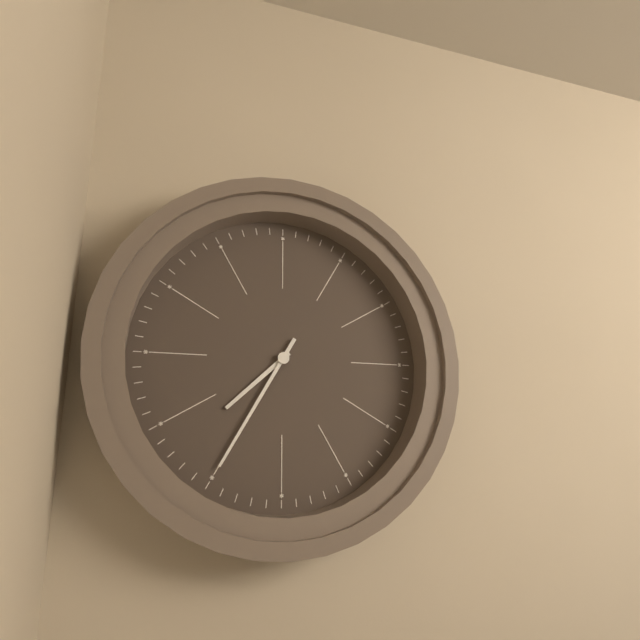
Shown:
7:35
